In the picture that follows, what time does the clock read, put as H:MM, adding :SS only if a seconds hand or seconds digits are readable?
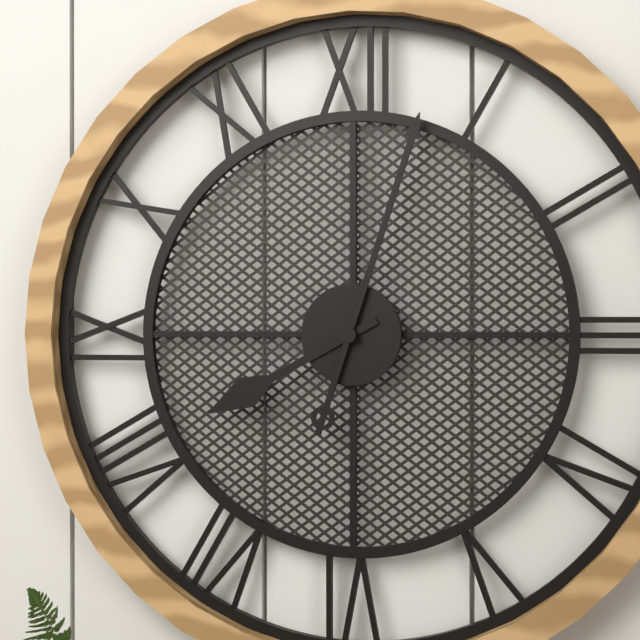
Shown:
8:03
